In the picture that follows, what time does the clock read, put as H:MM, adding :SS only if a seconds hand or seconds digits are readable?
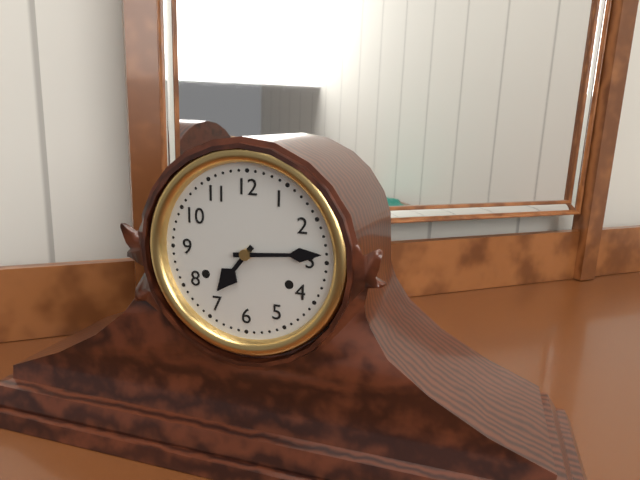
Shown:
7:14
